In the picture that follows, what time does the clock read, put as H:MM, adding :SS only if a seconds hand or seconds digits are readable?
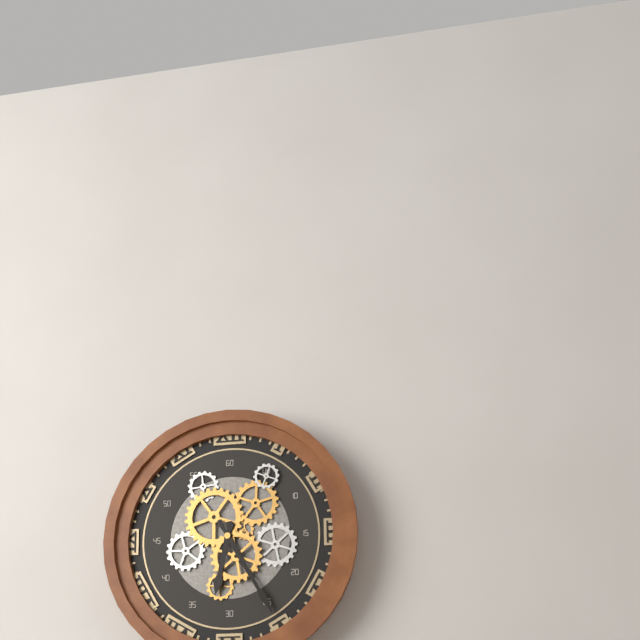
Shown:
6:25
